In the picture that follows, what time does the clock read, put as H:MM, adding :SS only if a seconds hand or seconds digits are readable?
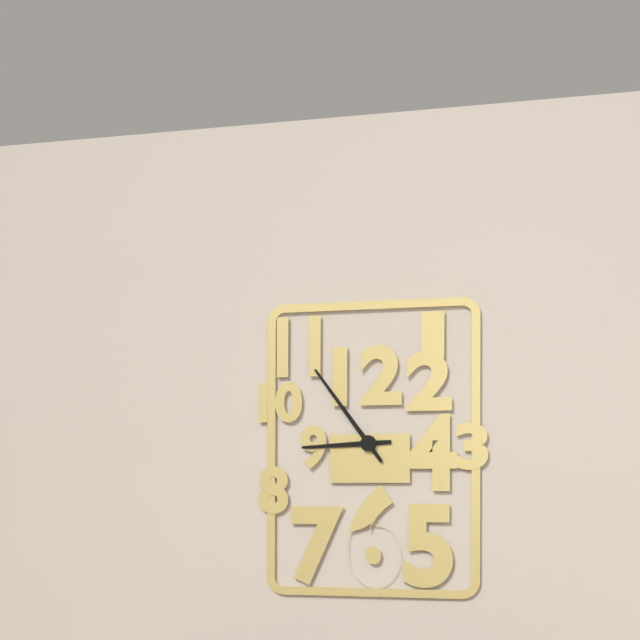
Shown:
8:54
